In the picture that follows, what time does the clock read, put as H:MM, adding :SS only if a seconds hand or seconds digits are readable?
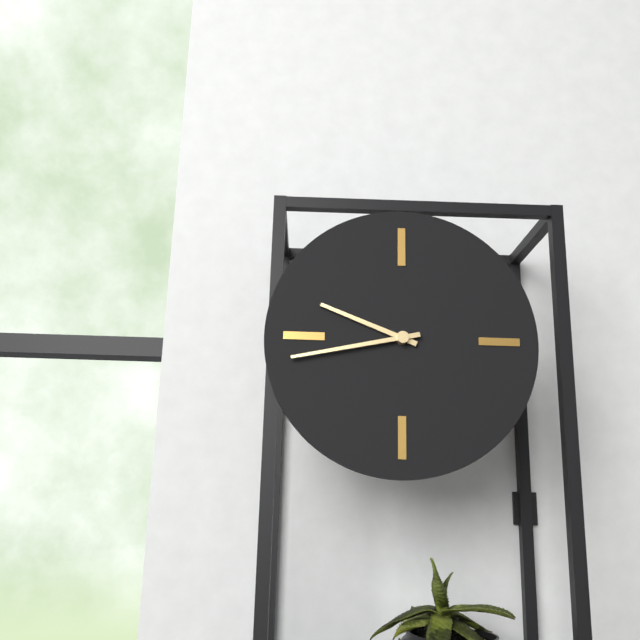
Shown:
9:43
